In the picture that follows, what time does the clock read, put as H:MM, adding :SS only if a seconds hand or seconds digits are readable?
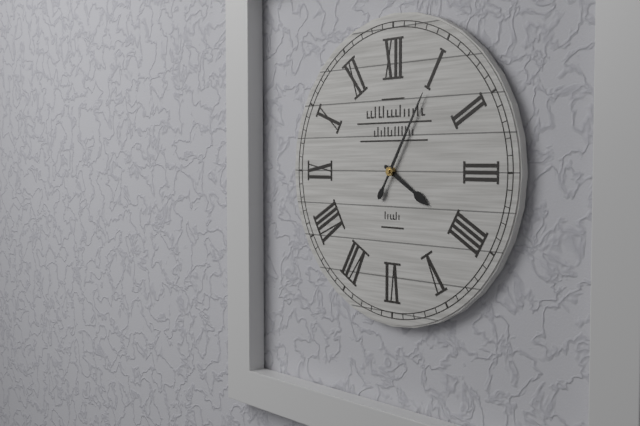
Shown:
4:05
